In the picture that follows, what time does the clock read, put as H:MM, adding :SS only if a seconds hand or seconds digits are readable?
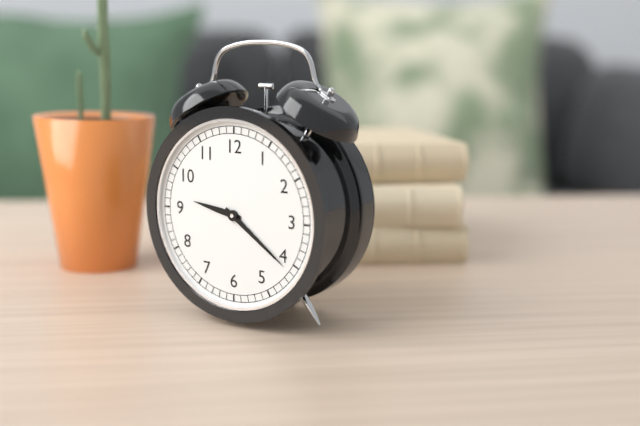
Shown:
9:21
